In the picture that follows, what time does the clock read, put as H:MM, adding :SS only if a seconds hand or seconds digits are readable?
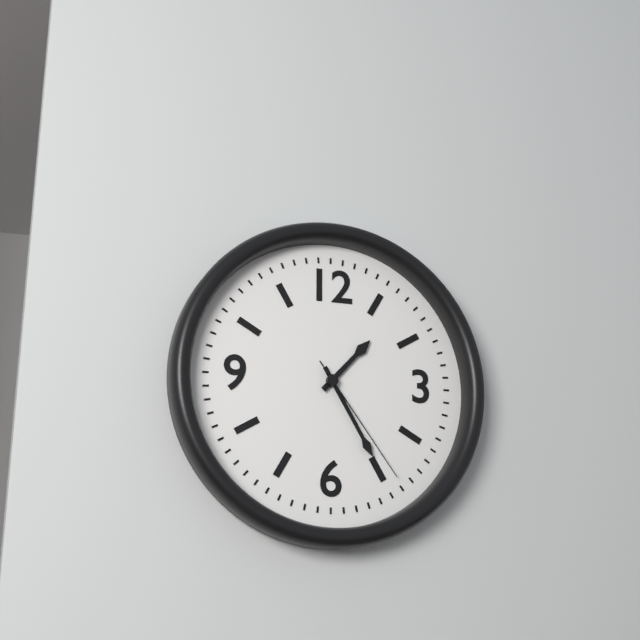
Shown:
1:25:24
